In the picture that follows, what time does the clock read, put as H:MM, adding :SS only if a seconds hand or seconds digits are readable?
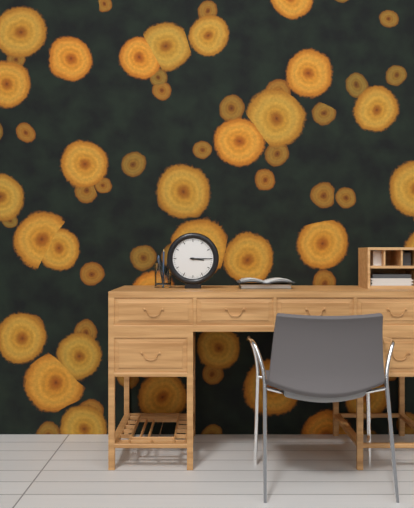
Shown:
3:15
